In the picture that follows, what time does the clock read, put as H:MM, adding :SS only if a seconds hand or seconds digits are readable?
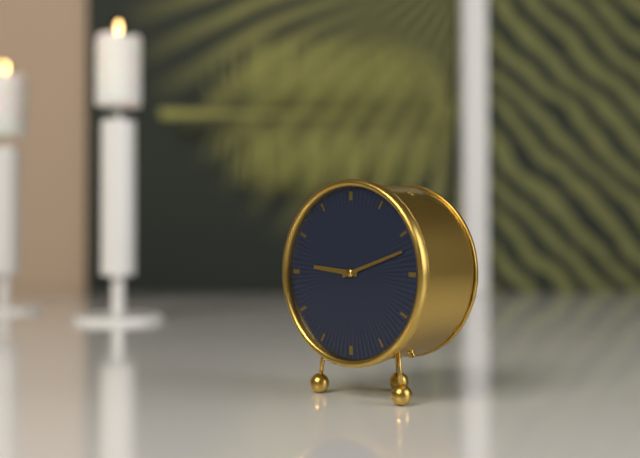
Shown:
9:12
